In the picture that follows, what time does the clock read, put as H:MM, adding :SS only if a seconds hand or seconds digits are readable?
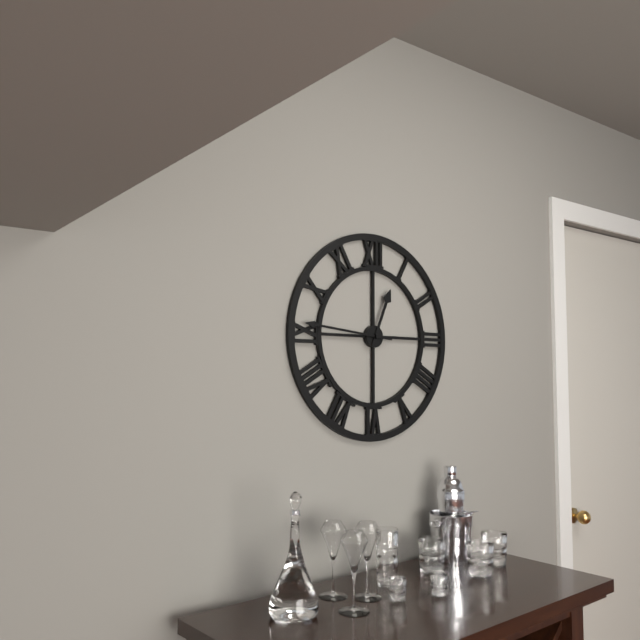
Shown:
12:46
